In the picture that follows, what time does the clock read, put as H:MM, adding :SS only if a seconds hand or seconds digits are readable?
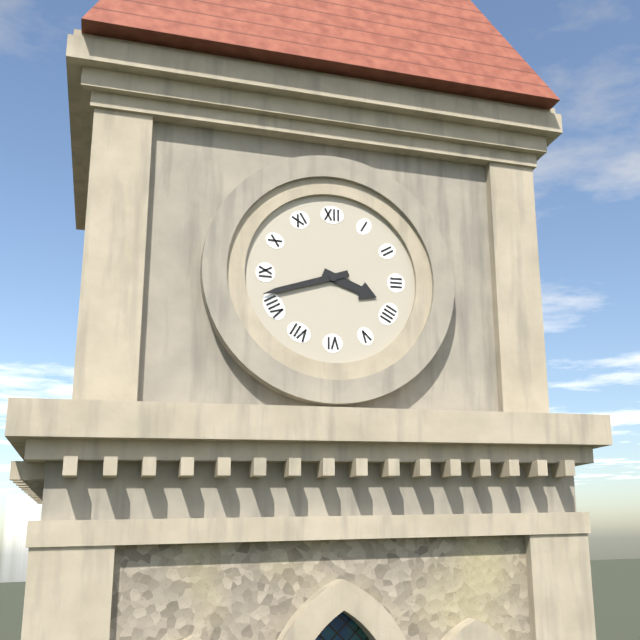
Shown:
3:42
